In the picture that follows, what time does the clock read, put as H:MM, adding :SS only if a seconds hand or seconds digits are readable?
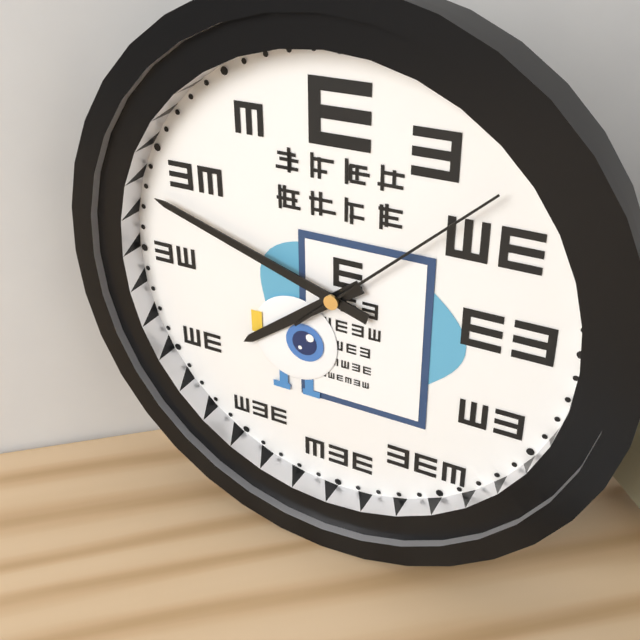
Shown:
7:48:08
